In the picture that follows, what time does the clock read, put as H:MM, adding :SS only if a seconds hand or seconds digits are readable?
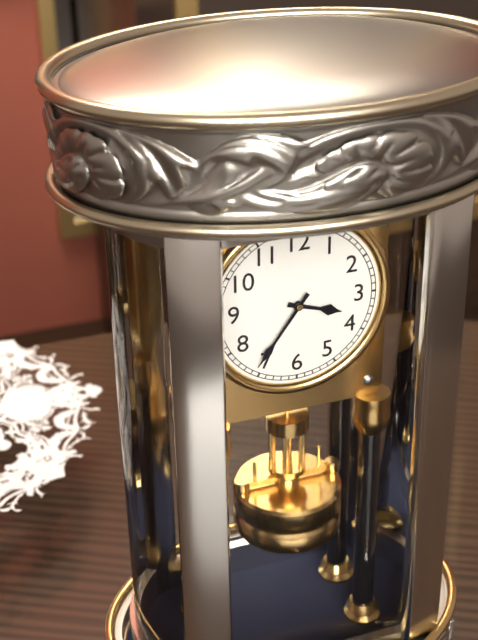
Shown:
3:36
